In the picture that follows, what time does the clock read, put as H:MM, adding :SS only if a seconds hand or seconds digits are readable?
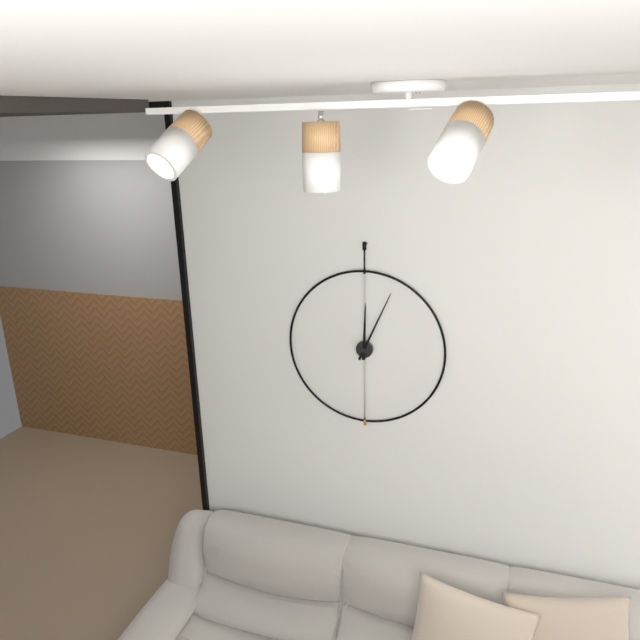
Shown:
12:04
